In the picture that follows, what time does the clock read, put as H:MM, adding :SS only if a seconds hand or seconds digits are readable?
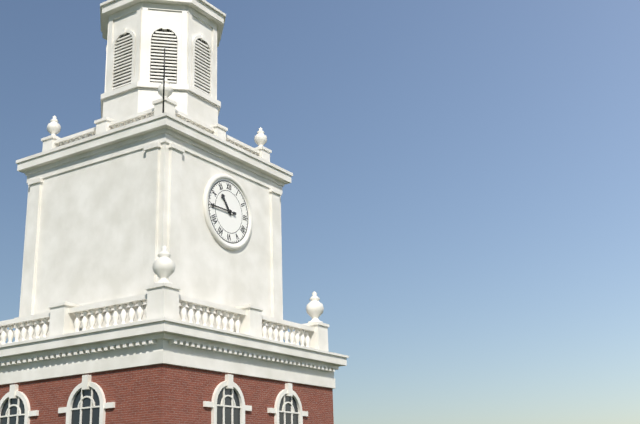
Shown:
10:45
